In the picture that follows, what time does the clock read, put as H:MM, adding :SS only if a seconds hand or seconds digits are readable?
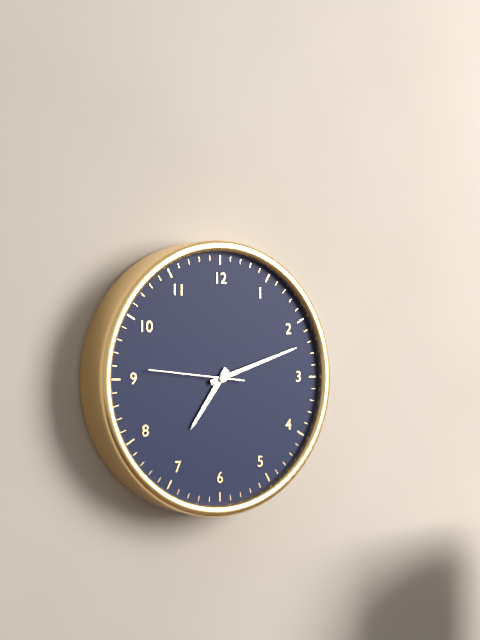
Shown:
7:12:46
